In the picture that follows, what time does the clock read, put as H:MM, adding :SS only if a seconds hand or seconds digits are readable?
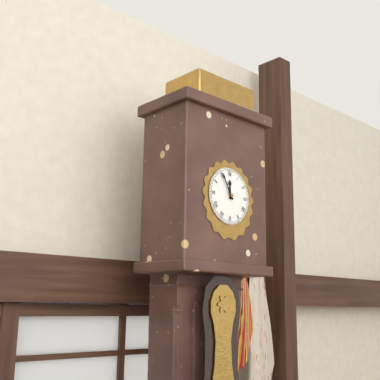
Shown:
11:55
